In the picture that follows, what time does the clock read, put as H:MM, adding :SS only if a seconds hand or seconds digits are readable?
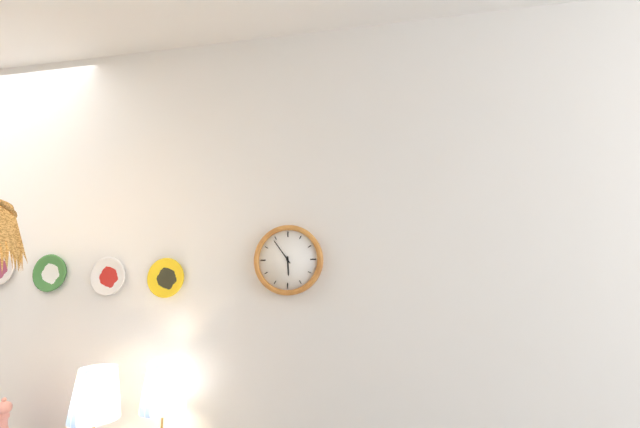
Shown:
5:54
